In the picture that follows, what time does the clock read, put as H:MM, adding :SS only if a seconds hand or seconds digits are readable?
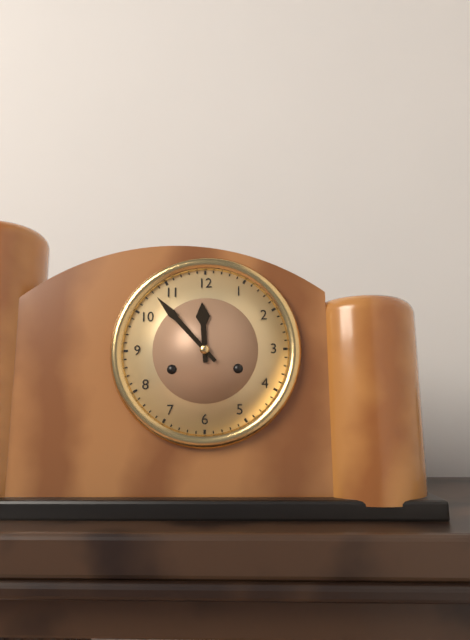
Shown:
11:53
